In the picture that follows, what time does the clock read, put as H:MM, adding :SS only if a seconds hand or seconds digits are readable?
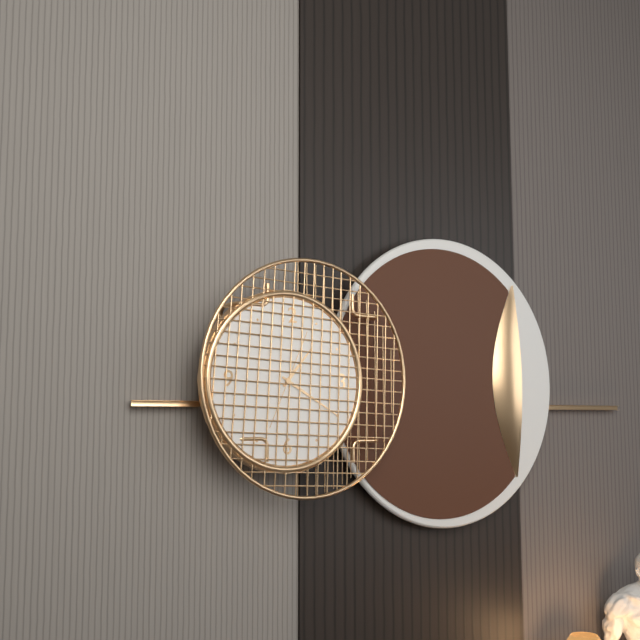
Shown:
1:20:04
